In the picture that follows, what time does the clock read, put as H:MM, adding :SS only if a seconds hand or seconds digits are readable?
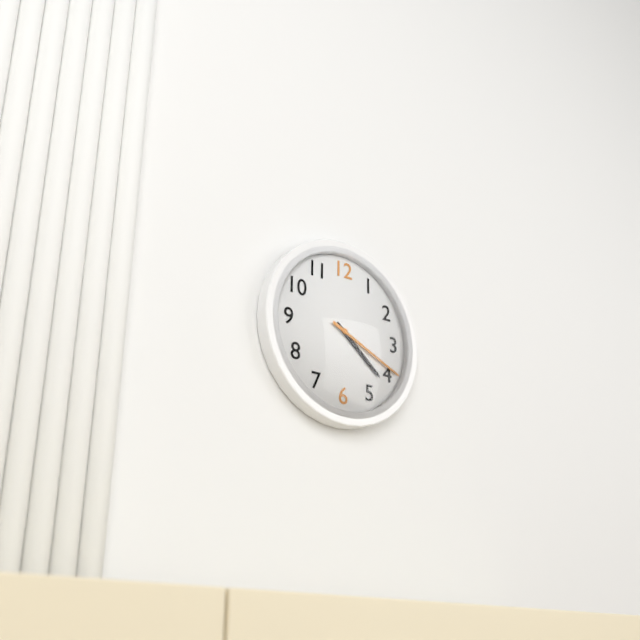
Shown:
4:19
